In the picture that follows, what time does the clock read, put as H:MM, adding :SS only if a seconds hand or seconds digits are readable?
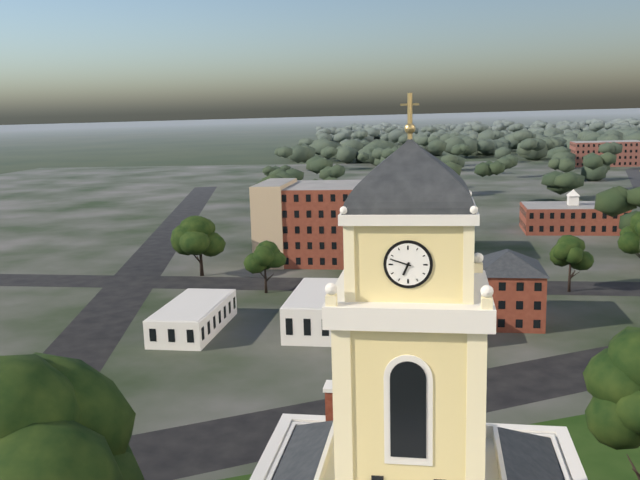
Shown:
6:48
